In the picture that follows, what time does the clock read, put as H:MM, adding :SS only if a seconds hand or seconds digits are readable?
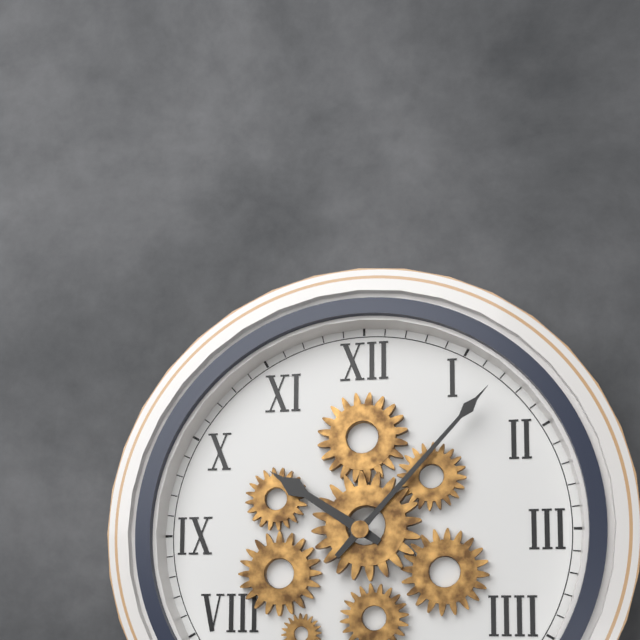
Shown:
10:07
